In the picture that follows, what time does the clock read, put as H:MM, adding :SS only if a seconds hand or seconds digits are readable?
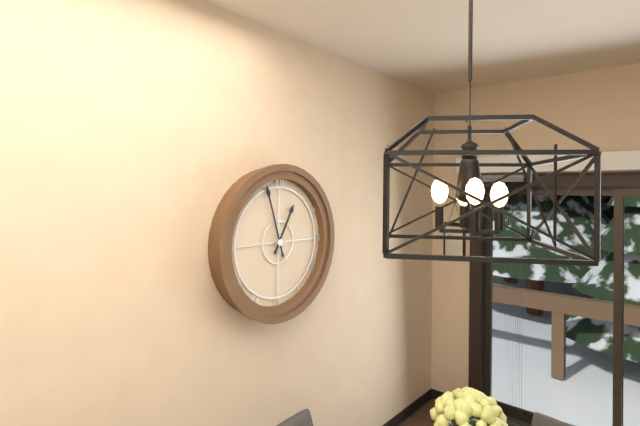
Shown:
12:57
